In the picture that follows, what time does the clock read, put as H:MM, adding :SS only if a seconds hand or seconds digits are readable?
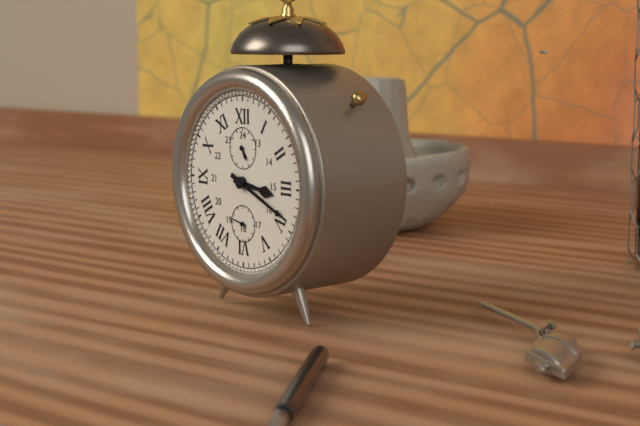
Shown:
3:19:47
